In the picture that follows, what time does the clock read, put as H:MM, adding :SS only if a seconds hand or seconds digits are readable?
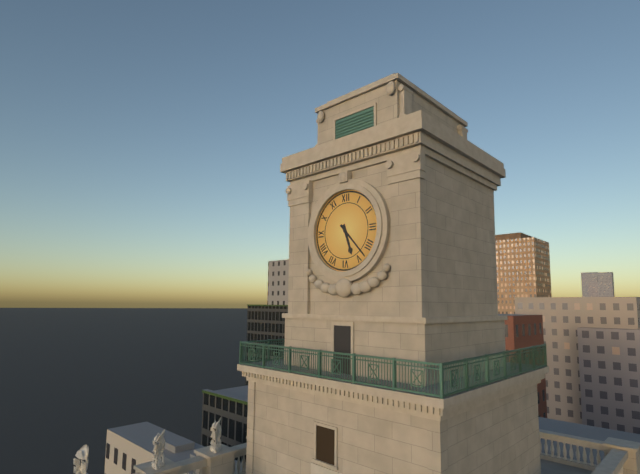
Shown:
5:23
